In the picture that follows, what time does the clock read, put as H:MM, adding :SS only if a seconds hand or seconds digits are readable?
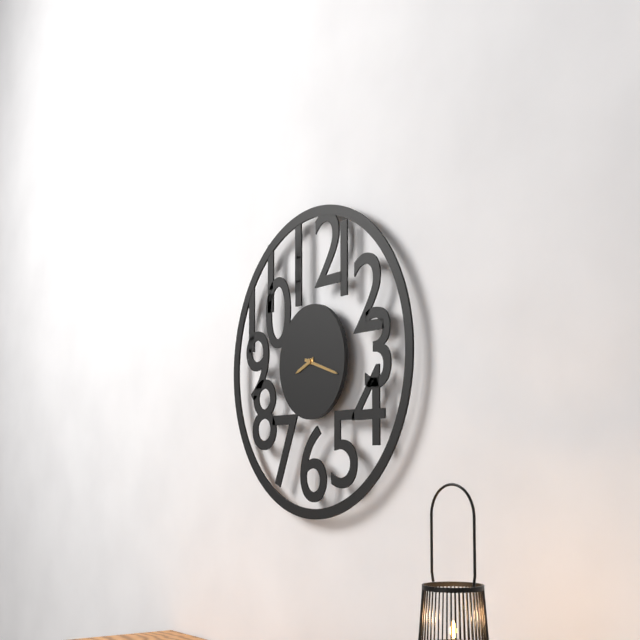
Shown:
8:18
